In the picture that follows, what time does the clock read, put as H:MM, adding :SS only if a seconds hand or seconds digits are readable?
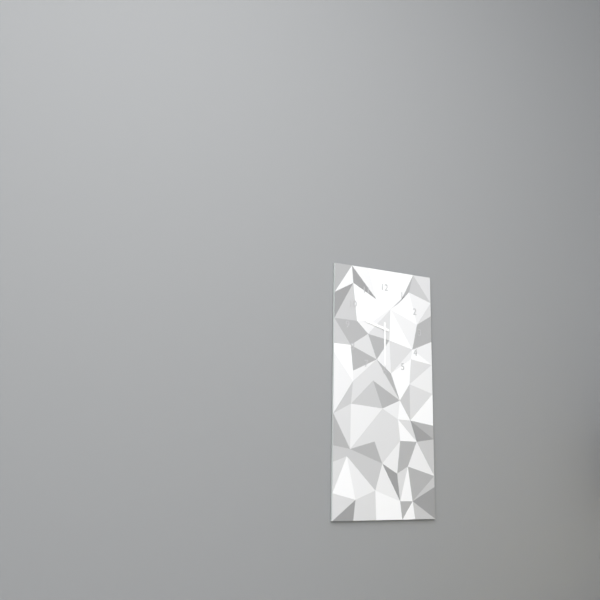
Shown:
9:30
